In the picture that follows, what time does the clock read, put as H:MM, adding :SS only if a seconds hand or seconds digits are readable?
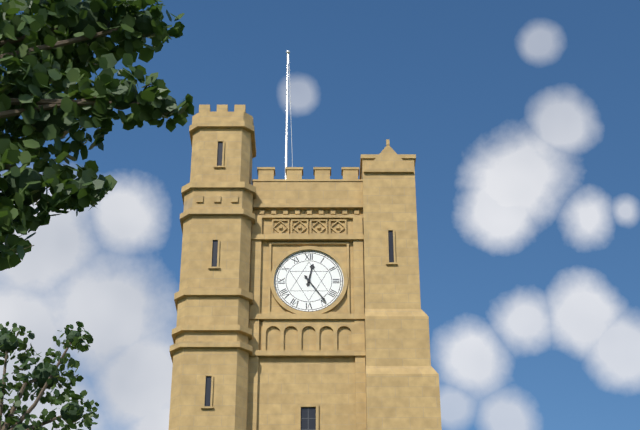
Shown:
12:24
